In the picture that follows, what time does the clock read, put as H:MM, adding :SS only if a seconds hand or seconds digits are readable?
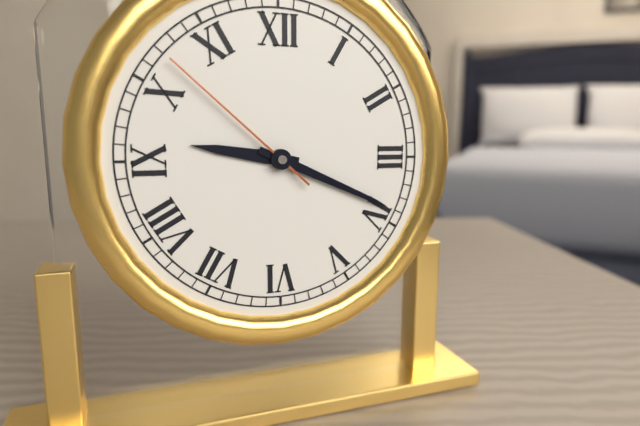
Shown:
9:19:52
